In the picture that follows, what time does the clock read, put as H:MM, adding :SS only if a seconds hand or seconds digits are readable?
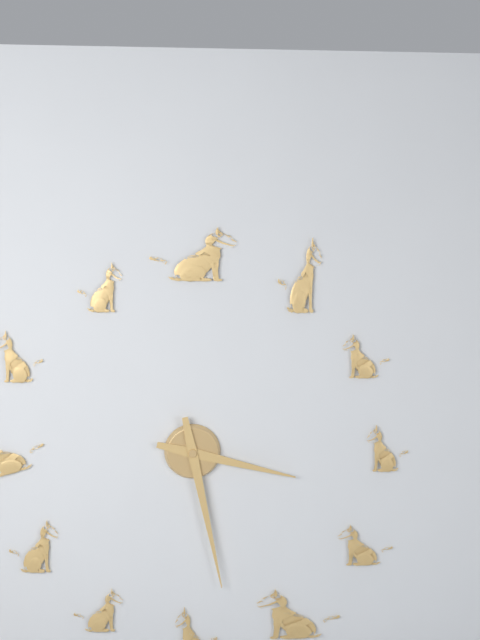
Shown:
3:28
